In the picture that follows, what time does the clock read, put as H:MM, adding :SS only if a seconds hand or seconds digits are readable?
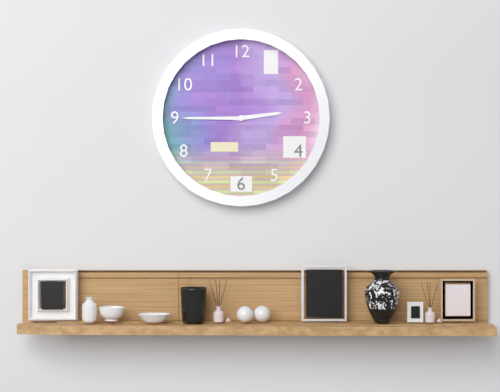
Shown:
2:45
